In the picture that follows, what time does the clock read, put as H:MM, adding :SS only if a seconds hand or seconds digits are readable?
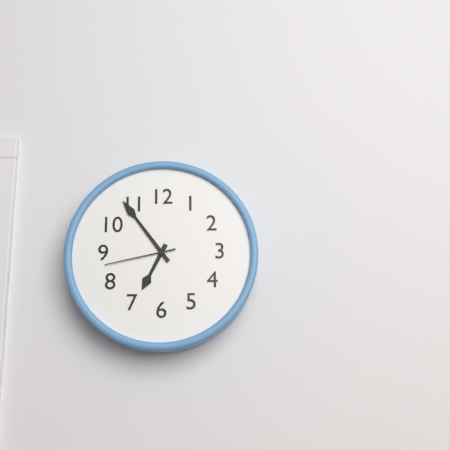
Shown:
6:54:43
